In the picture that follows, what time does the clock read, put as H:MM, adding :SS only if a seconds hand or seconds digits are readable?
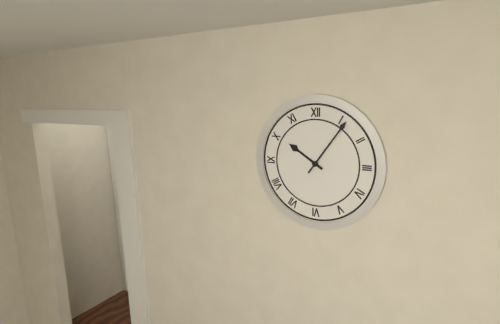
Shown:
10:06
